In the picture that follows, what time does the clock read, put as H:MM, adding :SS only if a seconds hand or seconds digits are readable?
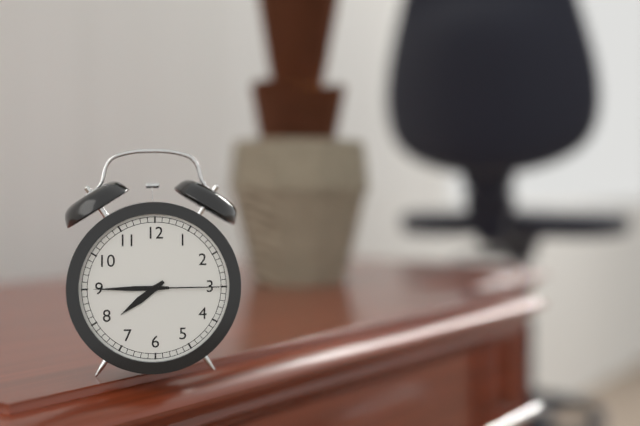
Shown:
7:45:15
